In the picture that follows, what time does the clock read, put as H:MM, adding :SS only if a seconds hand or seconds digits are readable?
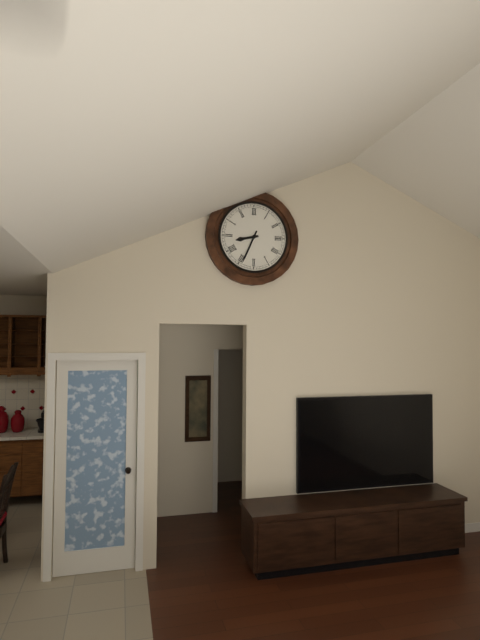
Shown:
8:34
